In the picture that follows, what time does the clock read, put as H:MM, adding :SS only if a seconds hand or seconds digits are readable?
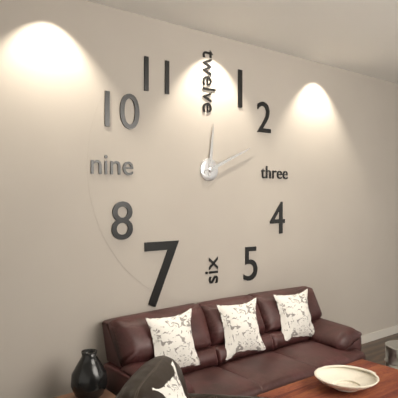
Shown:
12:11
